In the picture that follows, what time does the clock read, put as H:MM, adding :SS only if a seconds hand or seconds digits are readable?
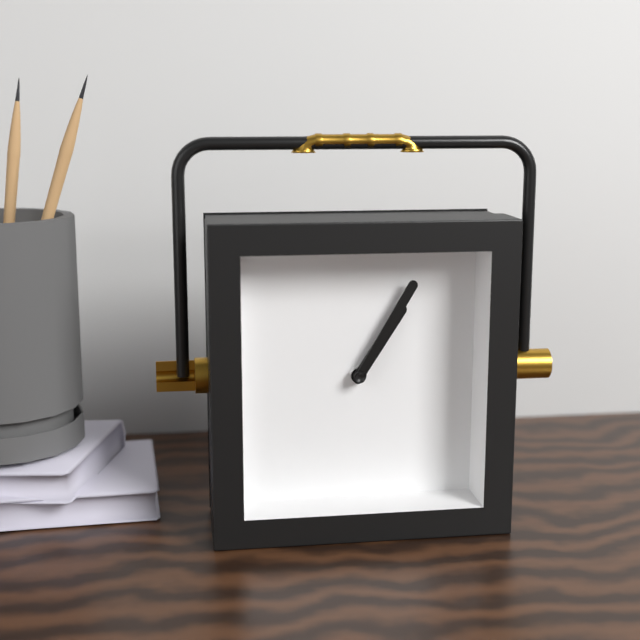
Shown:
1:05
